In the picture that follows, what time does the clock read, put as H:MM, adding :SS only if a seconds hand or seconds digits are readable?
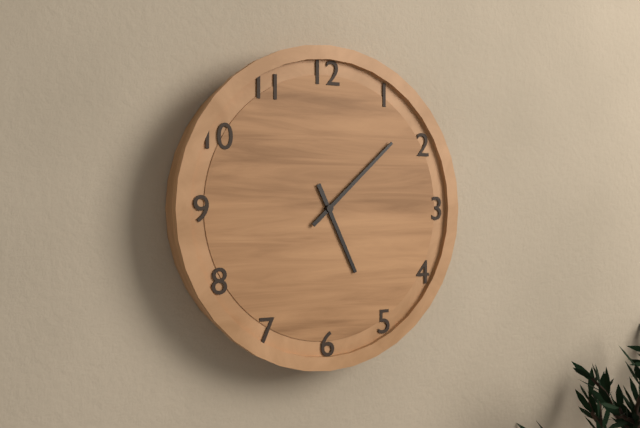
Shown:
5:08
